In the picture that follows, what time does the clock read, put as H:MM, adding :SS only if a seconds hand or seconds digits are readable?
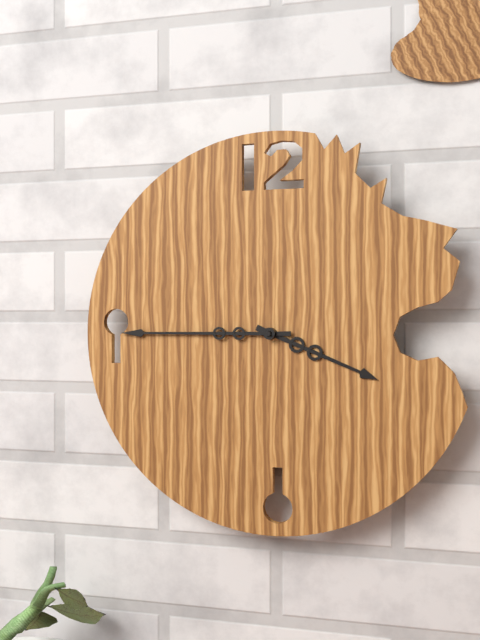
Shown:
3:45
